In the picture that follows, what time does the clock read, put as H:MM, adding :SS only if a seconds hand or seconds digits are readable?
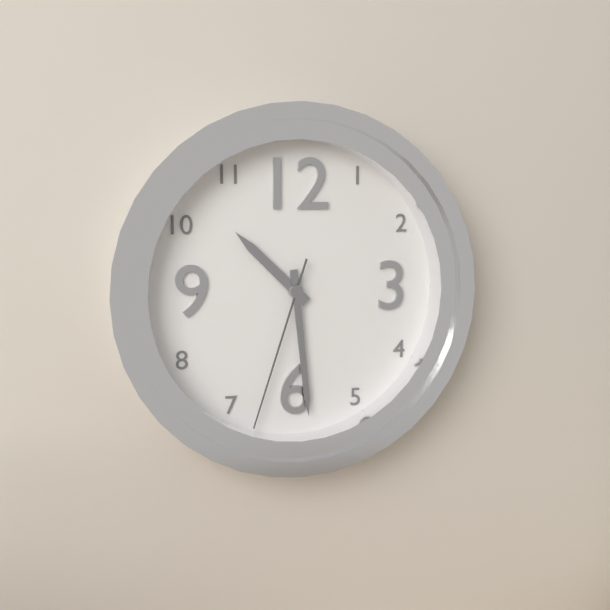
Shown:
10:29:33
